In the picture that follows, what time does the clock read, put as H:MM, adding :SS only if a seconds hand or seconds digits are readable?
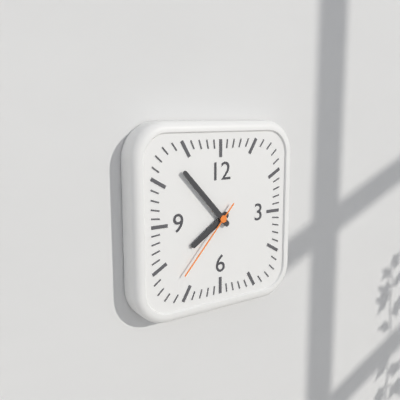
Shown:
7:53:37
